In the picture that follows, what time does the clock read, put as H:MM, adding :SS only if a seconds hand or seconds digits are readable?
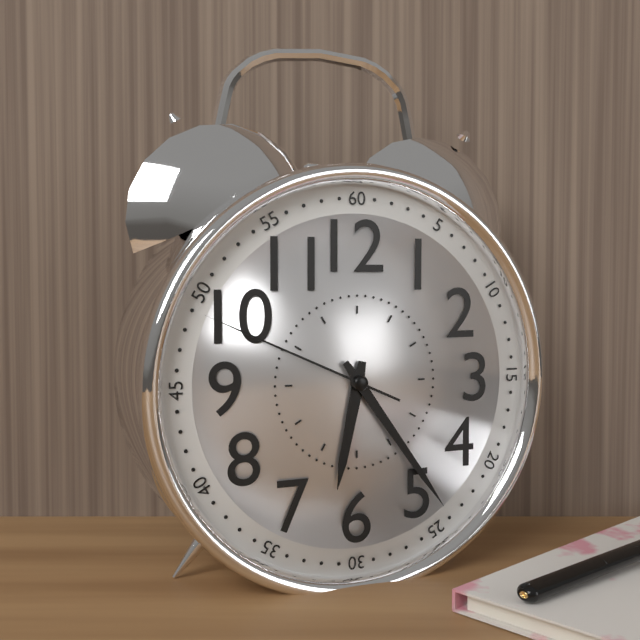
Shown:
6:24:49
